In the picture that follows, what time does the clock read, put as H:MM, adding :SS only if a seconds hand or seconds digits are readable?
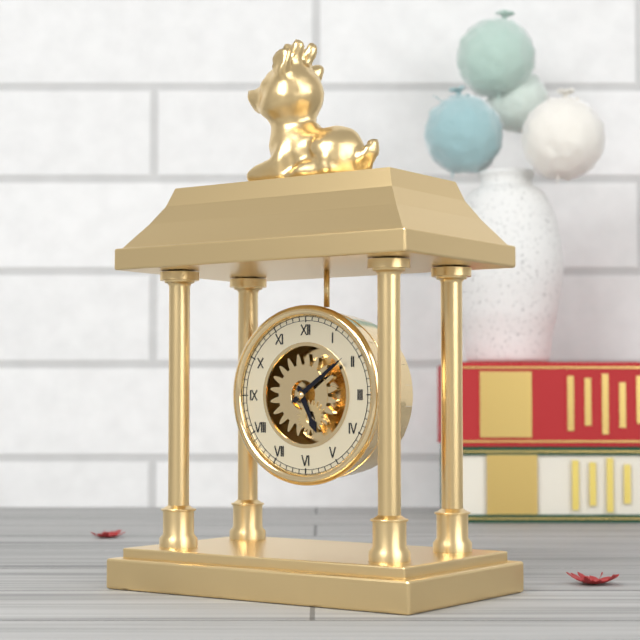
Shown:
5:09
